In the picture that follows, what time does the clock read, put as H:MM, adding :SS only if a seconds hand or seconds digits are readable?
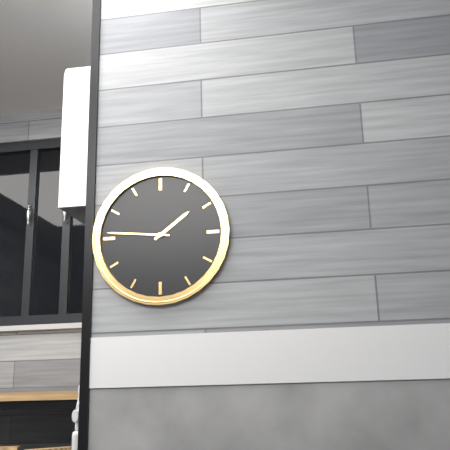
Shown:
1:46
